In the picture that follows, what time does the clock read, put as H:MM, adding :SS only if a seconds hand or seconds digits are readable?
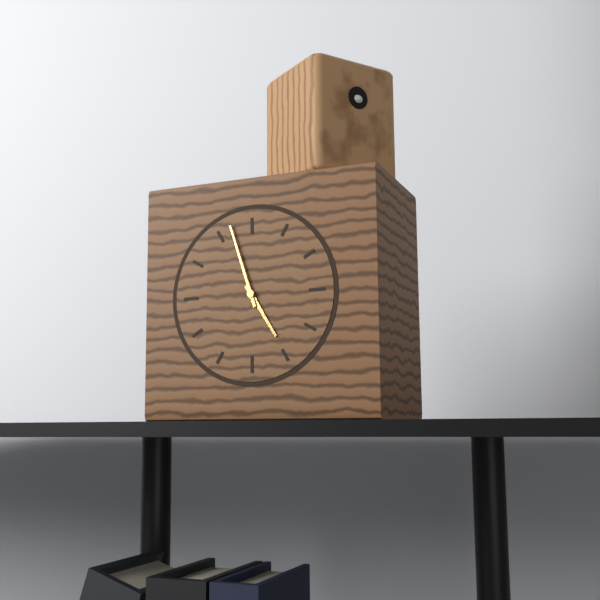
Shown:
4:57
